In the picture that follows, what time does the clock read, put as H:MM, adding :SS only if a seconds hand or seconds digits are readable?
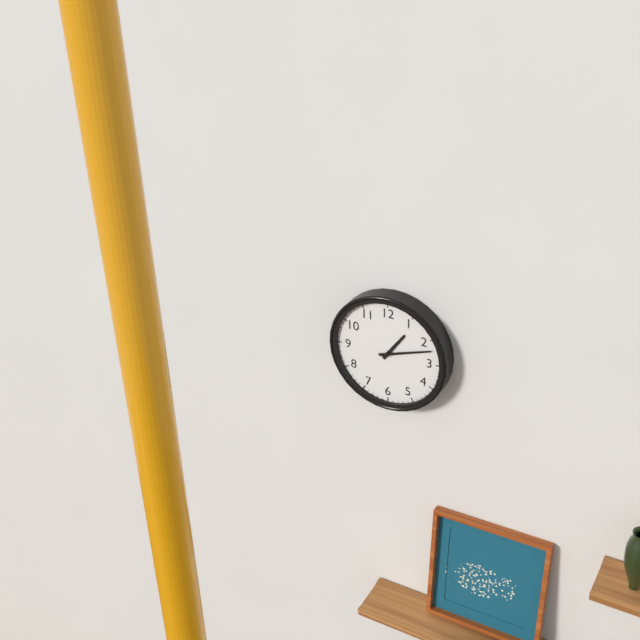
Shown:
1:12
